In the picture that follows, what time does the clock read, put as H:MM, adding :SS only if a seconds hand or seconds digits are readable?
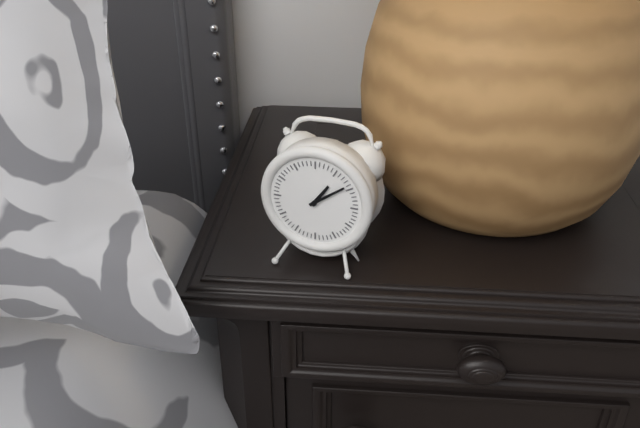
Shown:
1:09
